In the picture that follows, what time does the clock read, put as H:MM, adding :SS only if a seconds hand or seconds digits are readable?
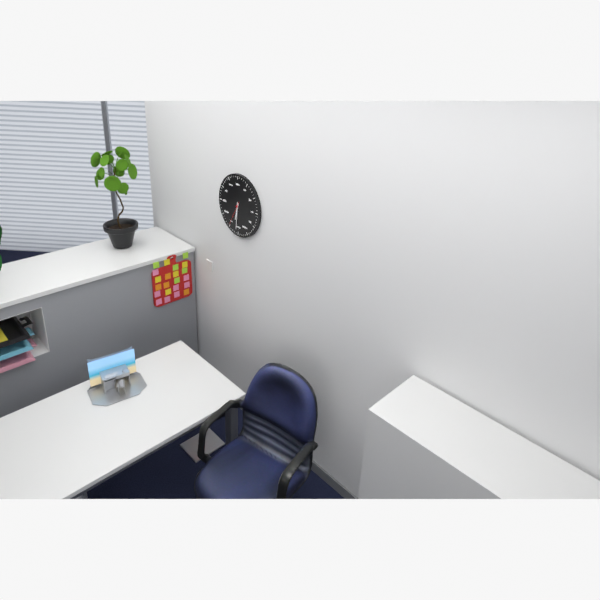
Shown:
6:31
